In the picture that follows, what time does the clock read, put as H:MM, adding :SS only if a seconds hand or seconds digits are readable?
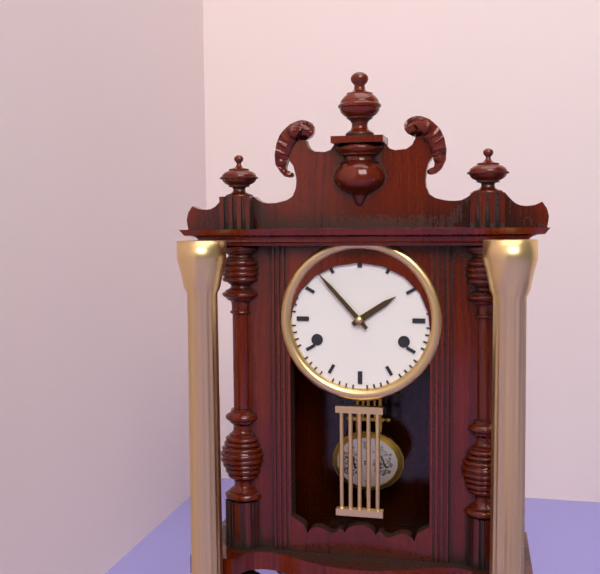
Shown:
1:53
